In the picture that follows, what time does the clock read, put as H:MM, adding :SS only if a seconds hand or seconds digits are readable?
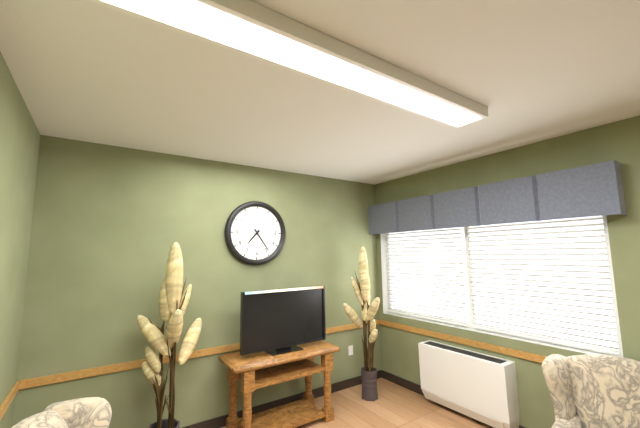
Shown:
7:24
